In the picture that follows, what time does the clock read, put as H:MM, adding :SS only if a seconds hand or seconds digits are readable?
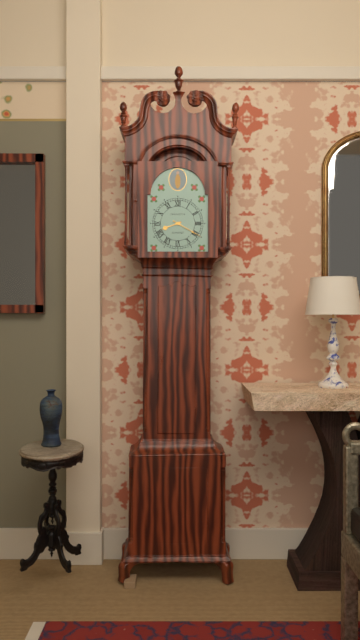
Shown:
8:20
